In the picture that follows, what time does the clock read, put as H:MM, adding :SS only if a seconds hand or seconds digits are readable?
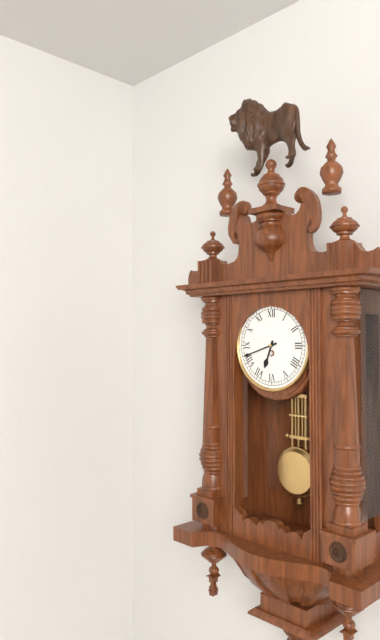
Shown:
6:42
